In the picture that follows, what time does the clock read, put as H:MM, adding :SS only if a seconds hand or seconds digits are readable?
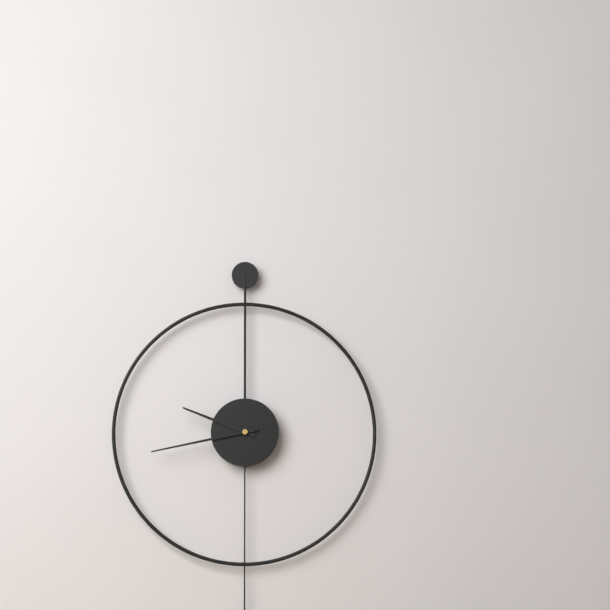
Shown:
9:43
